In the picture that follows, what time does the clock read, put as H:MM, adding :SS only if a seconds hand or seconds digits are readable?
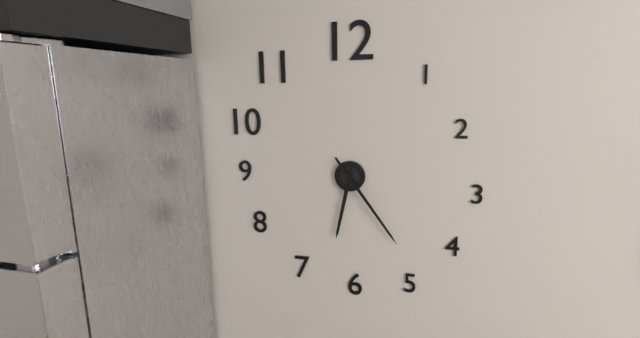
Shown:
6:24
